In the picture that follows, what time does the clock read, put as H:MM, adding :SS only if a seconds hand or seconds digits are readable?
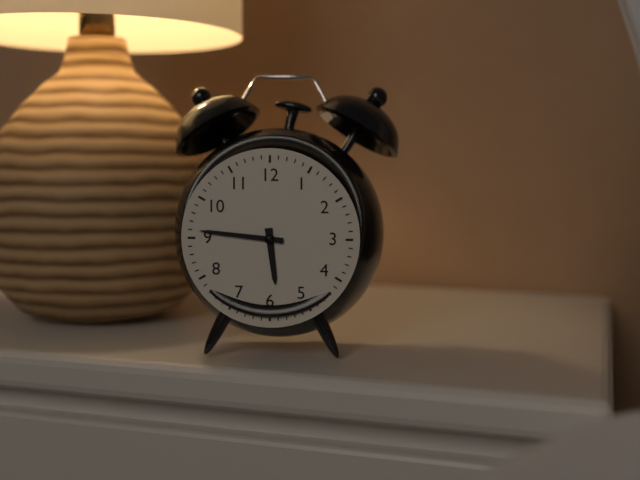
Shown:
5:46
